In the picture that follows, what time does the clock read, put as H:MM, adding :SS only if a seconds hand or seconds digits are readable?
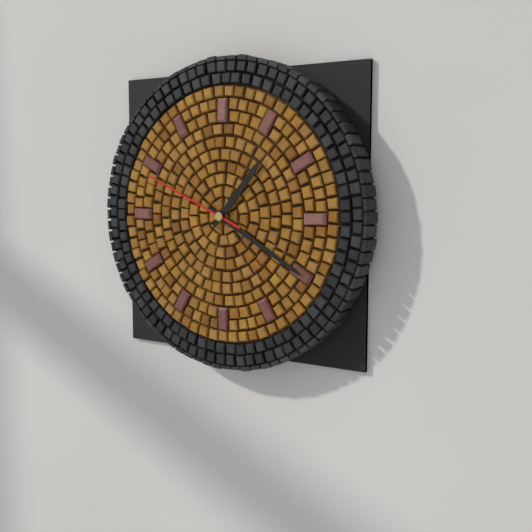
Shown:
1:20:49
